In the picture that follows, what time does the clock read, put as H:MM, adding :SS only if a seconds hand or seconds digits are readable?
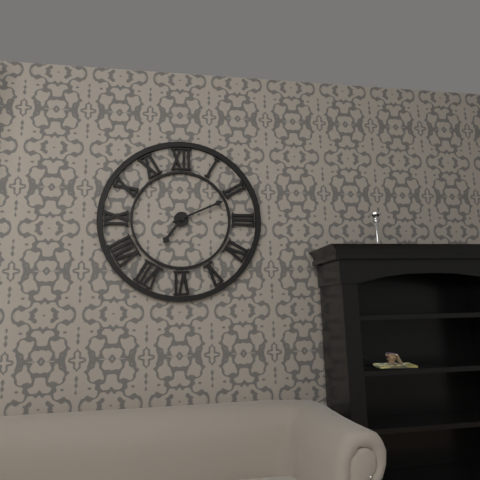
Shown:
7:11
